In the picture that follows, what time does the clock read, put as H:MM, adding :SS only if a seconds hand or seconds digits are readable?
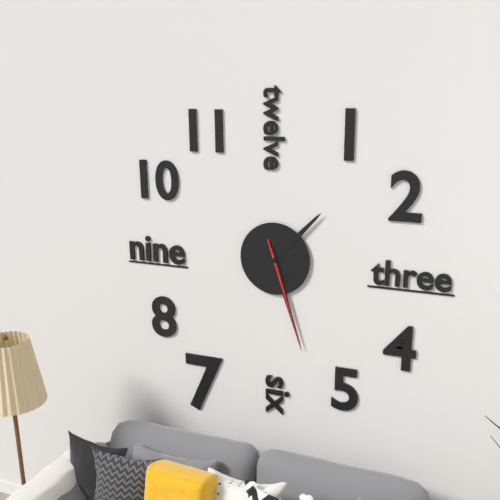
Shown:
1:27:27
